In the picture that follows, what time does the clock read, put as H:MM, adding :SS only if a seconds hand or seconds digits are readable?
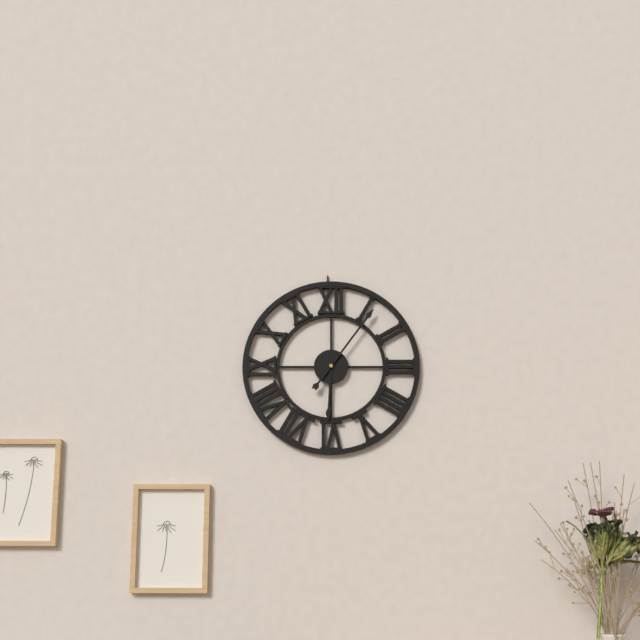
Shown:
6:06
